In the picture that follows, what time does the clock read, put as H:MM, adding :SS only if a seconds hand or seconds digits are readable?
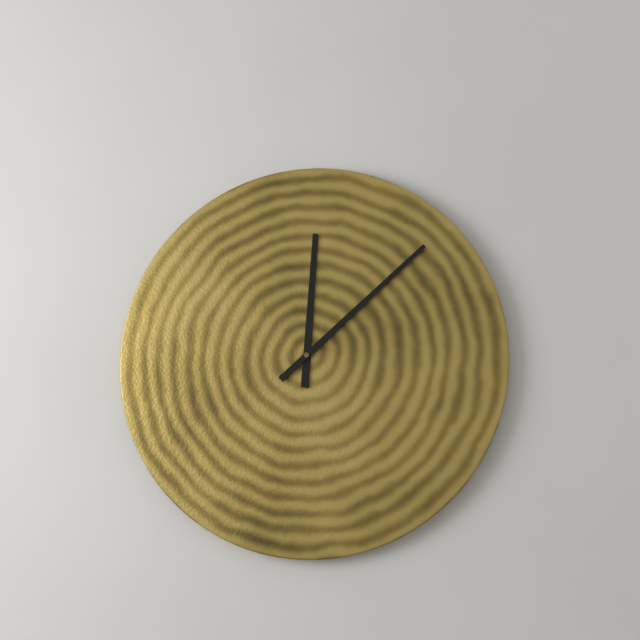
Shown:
12:08
